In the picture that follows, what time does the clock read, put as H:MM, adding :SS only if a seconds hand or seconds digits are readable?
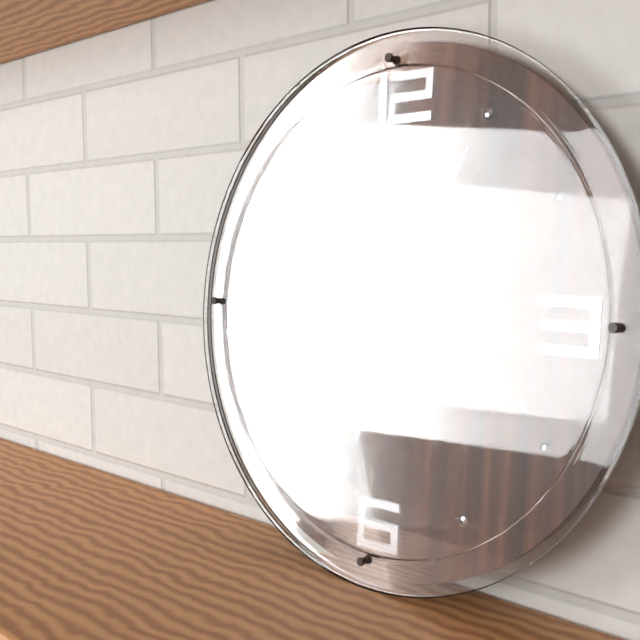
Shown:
8:05:32
